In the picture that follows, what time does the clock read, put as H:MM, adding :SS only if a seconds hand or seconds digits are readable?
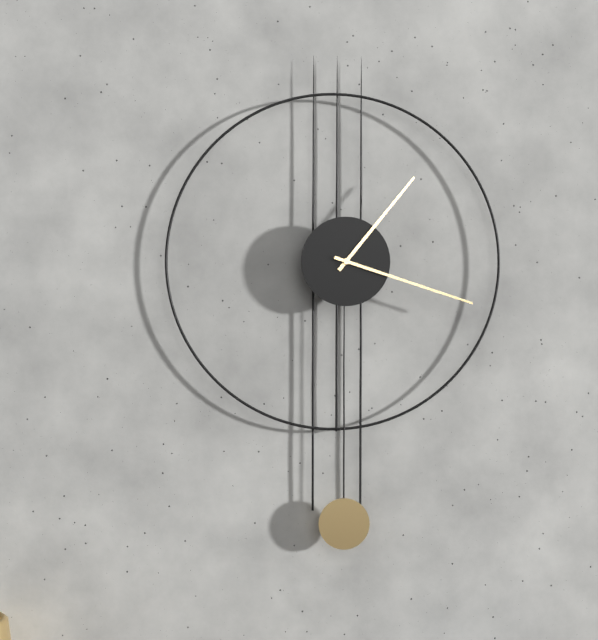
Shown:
1:18
